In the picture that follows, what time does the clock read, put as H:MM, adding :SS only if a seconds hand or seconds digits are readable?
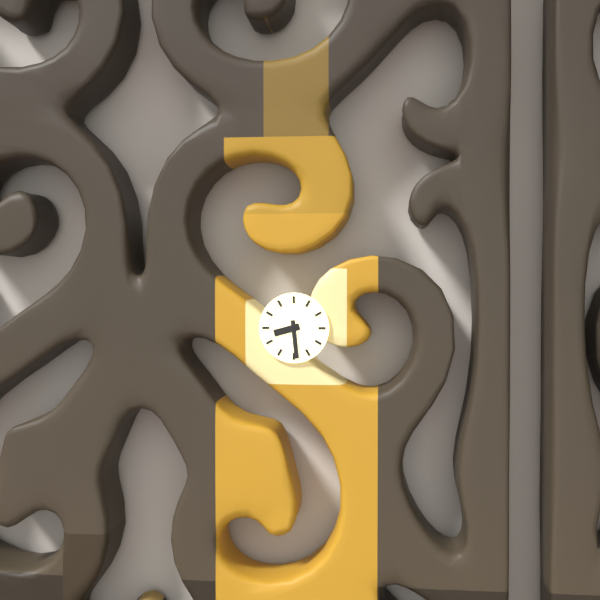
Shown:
8:29
